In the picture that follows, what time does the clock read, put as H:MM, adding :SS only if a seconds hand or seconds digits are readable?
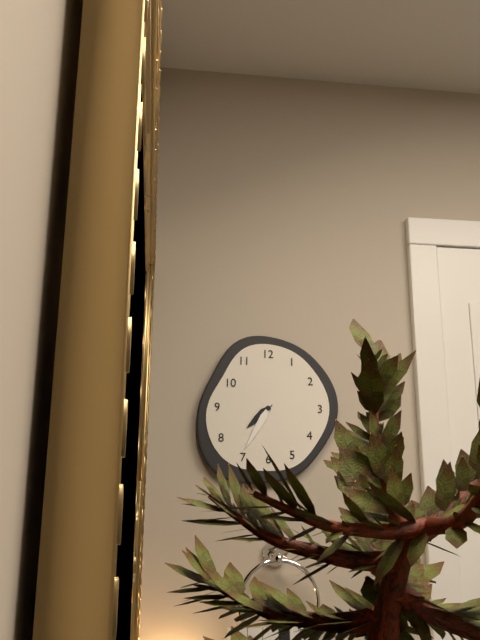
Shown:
7:35
